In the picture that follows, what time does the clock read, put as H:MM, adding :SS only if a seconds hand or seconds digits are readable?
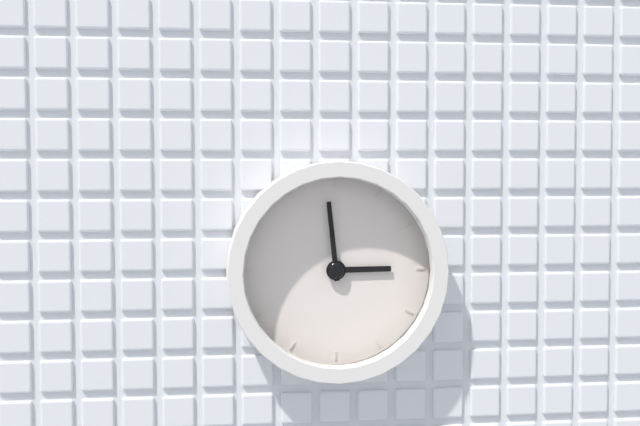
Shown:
2:59
